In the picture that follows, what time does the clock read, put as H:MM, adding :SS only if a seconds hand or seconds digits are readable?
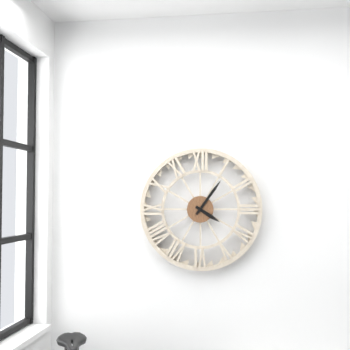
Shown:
4:06
